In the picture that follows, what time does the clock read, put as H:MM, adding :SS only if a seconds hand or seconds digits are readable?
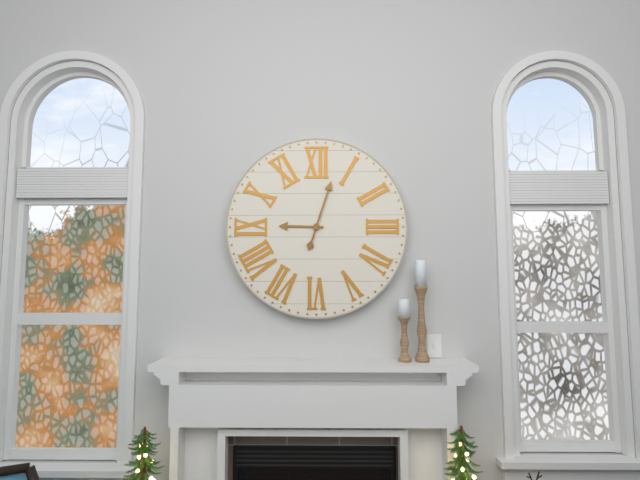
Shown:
9:03
